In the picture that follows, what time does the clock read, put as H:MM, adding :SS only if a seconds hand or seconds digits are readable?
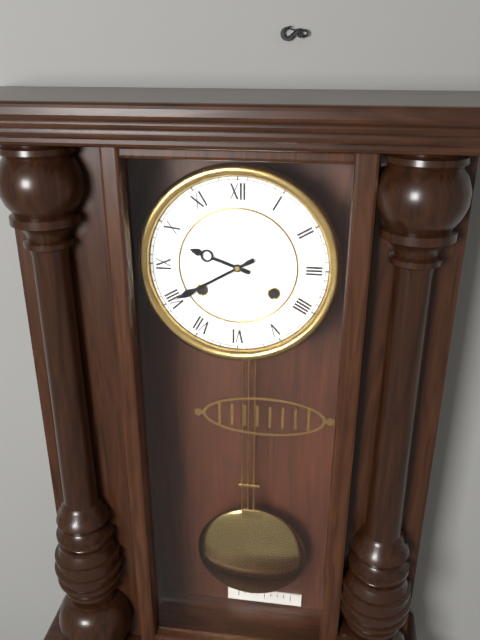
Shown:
9:40
